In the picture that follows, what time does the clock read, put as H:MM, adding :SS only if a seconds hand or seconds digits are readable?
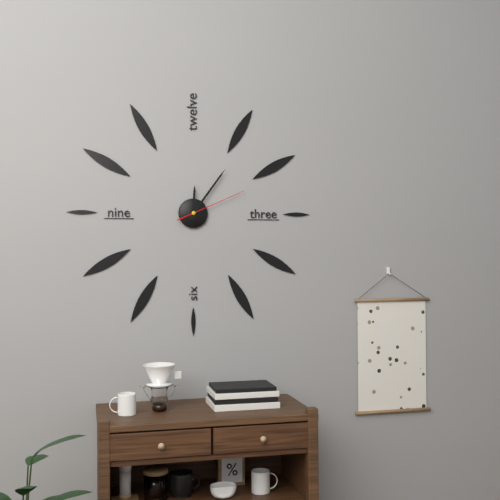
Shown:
12:06:11
